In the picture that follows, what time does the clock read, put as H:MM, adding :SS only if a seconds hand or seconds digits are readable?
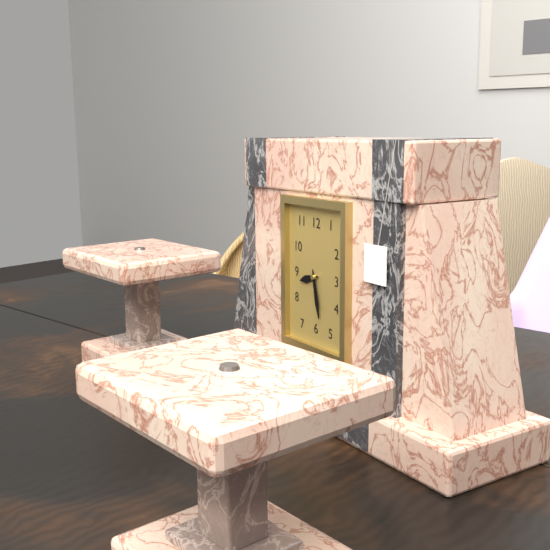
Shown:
8:28
